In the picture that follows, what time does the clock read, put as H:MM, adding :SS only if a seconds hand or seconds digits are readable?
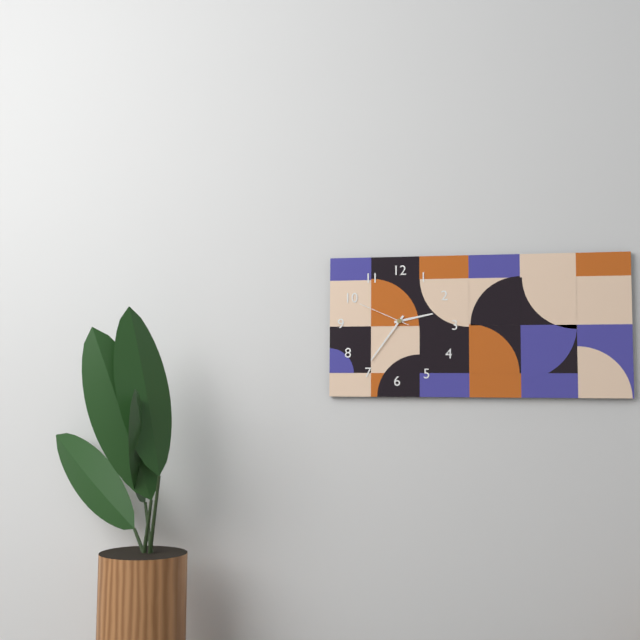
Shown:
2:36:49
